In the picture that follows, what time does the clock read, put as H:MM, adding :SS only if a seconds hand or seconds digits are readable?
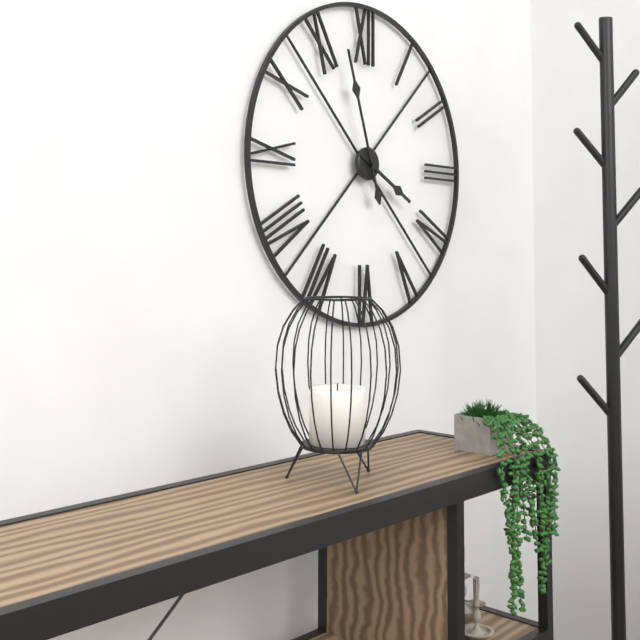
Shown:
3:57
